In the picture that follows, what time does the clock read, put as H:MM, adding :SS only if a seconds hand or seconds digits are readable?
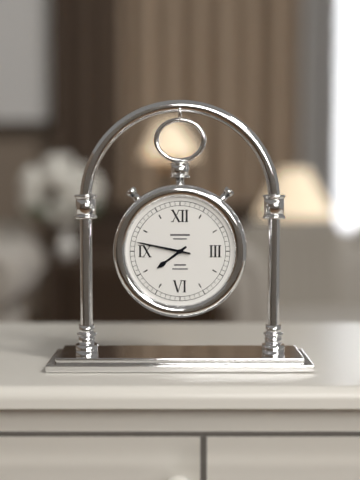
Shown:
7:47
